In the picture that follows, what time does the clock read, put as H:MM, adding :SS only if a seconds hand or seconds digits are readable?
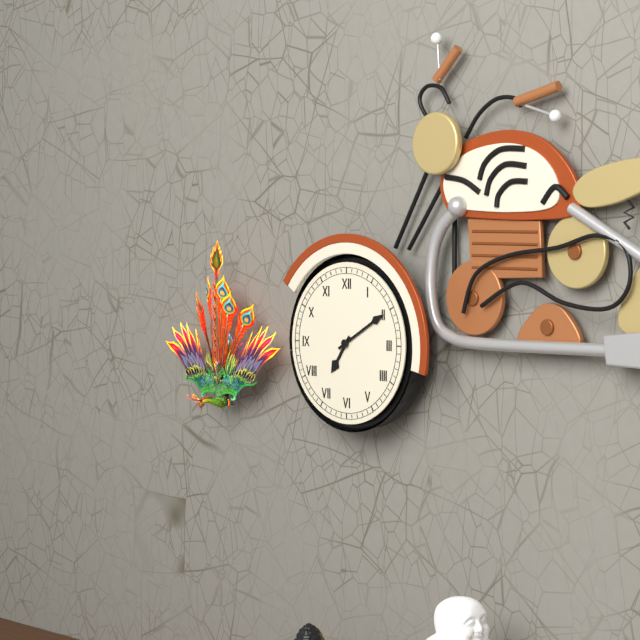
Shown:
7:10
